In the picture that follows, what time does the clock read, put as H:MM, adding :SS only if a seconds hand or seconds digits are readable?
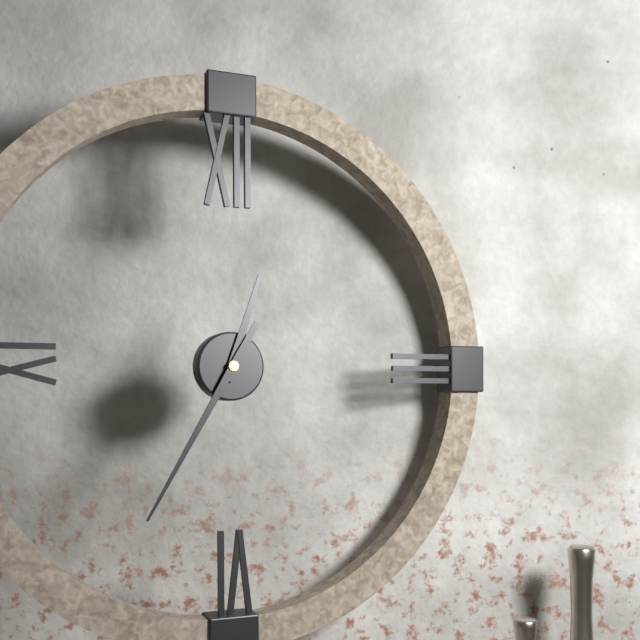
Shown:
12:35
